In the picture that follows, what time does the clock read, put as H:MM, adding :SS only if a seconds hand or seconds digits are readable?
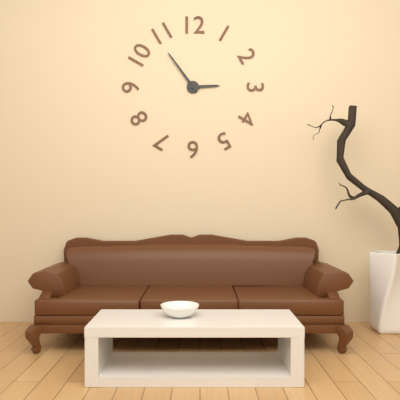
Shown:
2:54
